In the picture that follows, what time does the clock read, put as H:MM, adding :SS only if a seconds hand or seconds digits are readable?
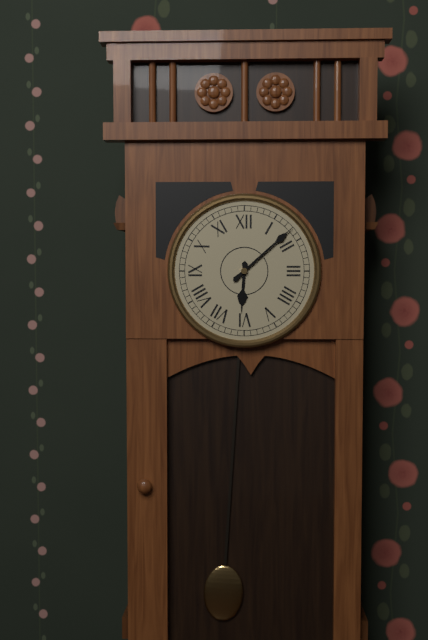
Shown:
6:08
